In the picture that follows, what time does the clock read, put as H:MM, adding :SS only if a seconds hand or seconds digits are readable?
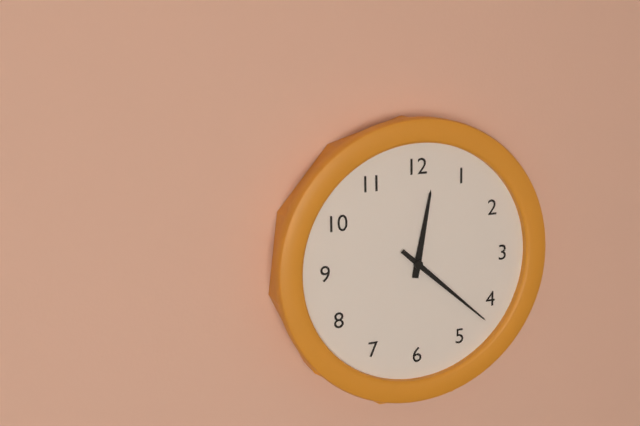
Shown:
12:22
